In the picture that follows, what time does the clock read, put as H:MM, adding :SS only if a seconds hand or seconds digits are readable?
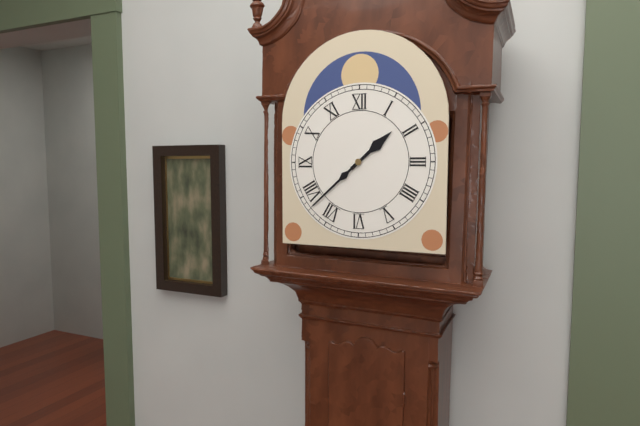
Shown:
1:38
